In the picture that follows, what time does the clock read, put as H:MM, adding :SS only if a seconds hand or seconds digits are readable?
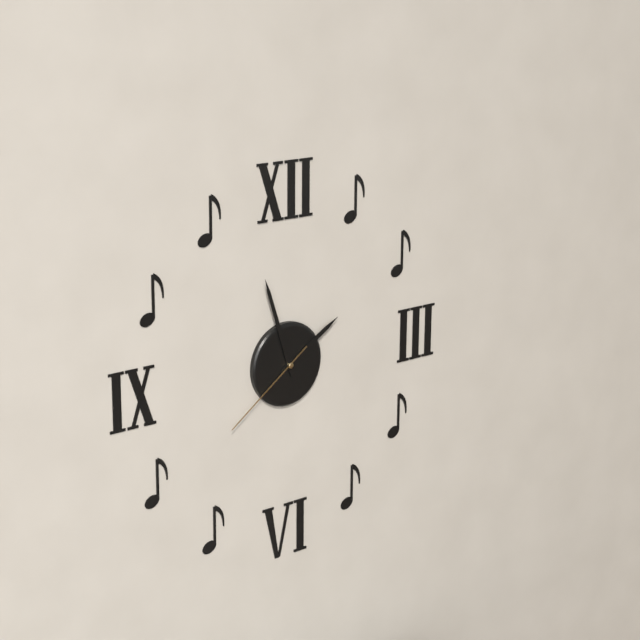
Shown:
1:57:39
